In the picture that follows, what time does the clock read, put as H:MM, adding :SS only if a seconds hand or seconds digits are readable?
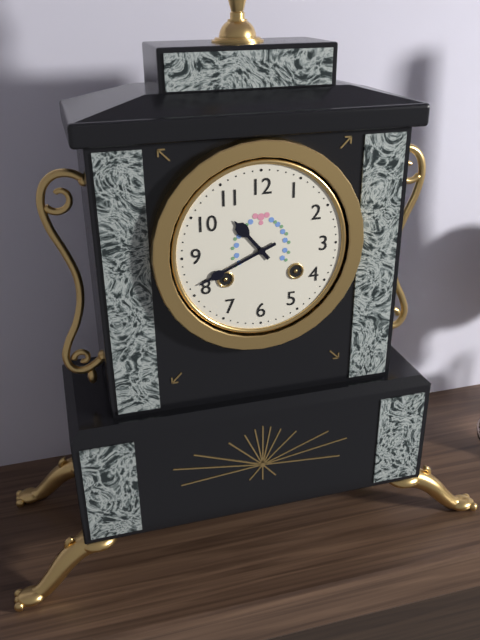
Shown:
10:41
